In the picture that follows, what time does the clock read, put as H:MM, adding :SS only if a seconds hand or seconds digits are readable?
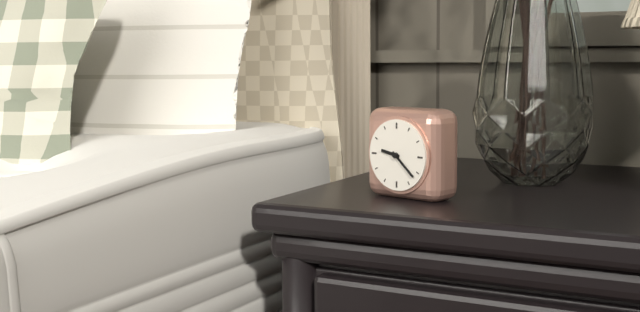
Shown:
9:22
